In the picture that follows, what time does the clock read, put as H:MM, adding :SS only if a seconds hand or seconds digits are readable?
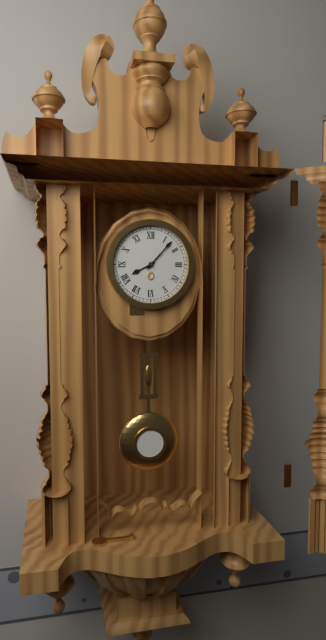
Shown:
8:07
